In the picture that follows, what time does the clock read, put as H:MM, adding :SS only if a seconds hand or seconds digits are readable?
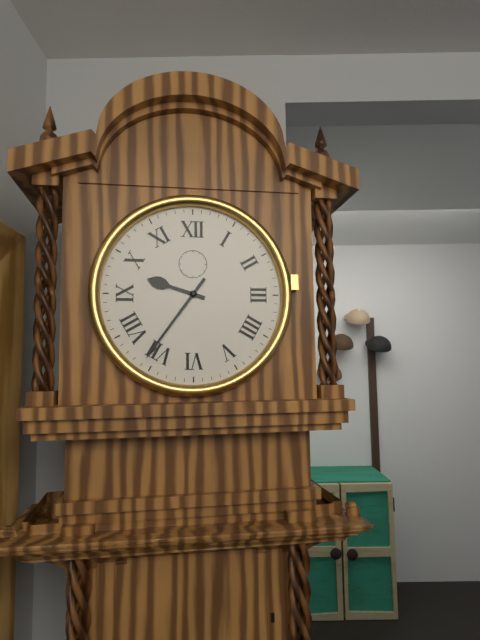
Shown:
9:36
